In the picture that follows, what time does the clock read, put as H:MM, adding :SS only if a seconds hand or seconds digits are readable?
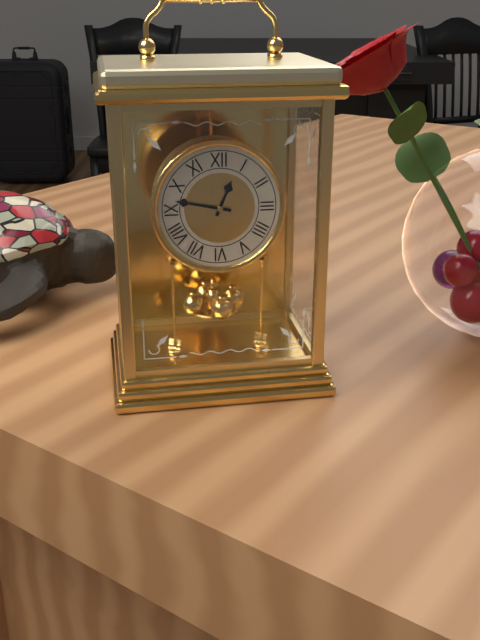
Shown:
12:47
